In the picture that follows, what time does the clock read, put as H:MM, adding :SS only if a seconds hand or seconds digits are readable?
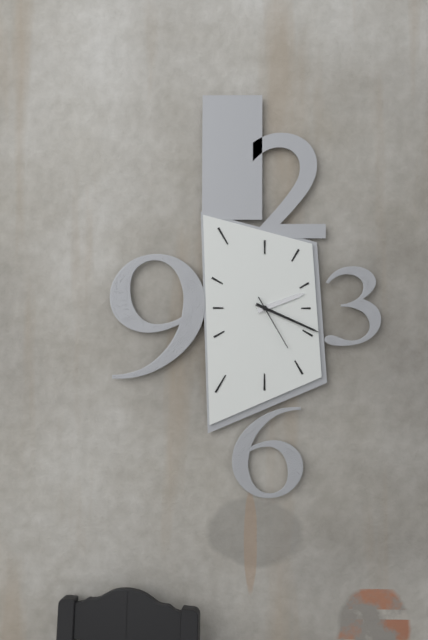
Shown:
2:19:25
